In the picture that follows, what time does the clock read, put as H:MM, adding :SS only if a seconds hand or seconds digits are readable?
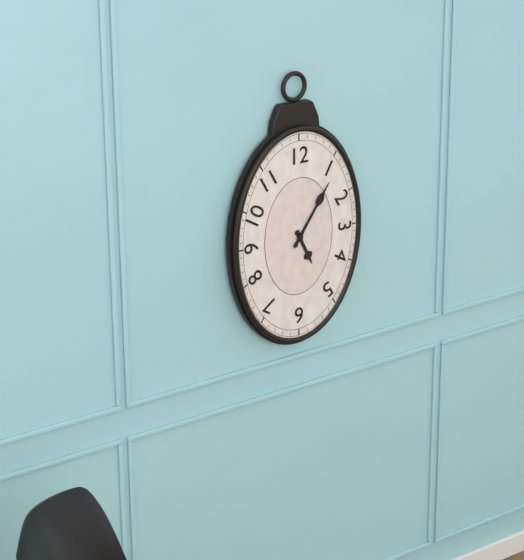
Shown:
5:06
